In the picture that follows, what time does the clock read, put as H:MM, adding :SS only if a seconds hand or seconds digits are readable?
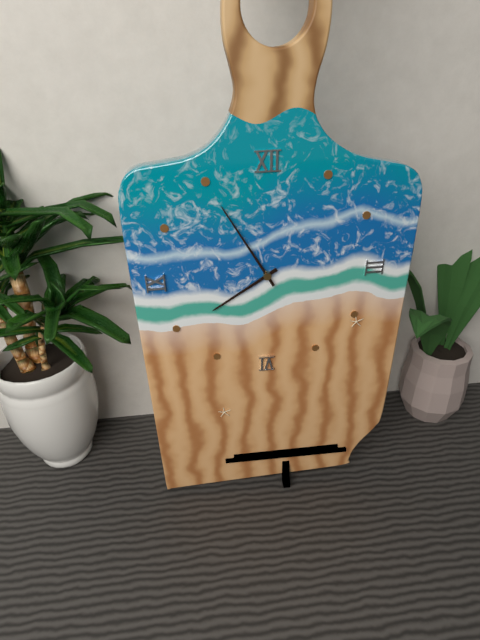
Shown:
7:55
